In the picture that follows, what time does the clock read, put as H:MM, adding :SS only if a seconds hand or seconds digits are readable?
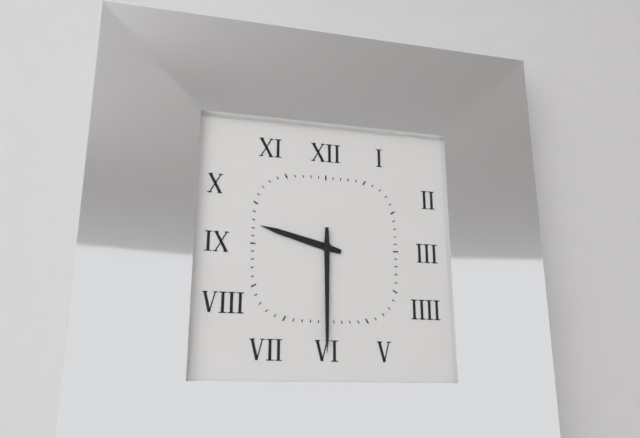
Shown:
9:30
